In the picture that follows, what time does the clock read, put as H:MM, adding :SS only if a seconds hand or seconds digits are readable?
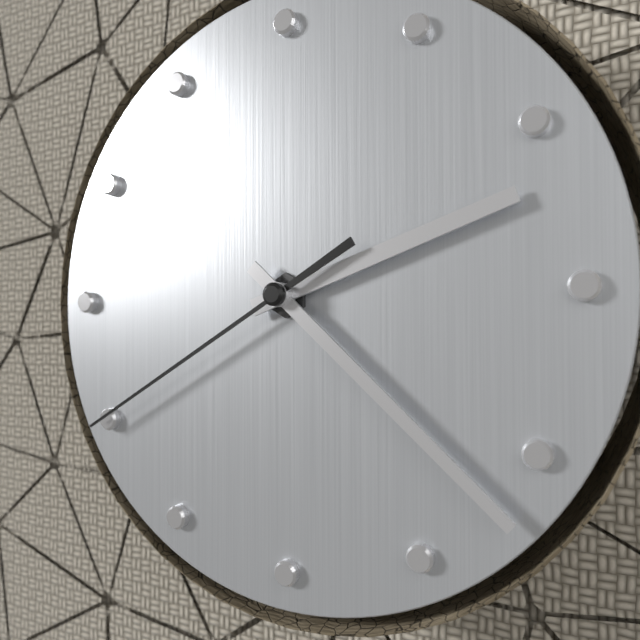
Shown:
2:22:40
